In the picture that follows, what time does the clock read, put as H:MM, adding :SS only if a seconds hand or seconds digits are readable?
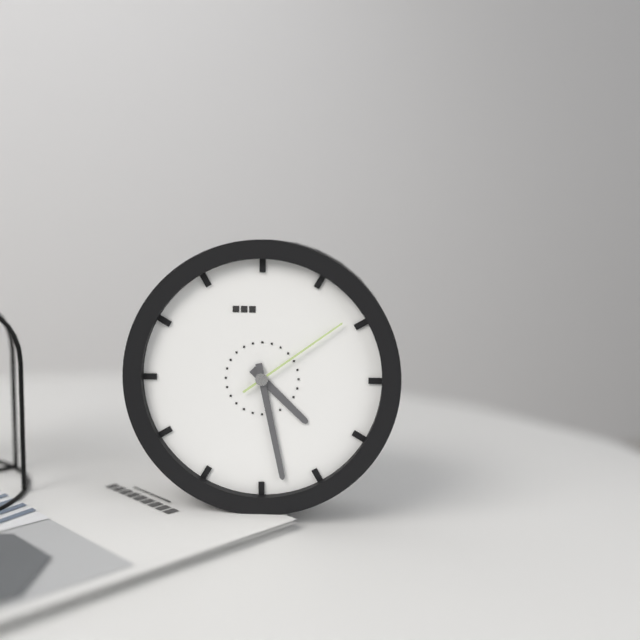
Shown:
4:28:09
